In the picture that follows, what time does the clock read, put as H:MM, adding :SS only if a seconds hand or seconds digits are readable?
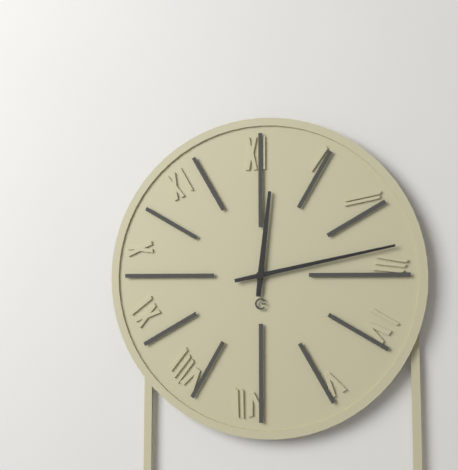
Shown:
12:13
